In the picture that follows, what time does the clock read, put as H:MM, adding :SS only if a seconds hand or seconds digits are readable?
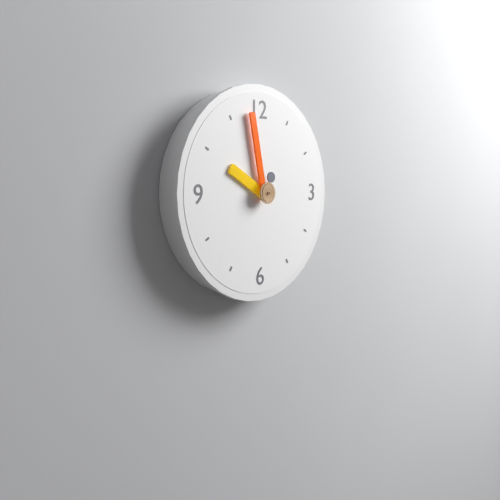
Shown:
9:58
